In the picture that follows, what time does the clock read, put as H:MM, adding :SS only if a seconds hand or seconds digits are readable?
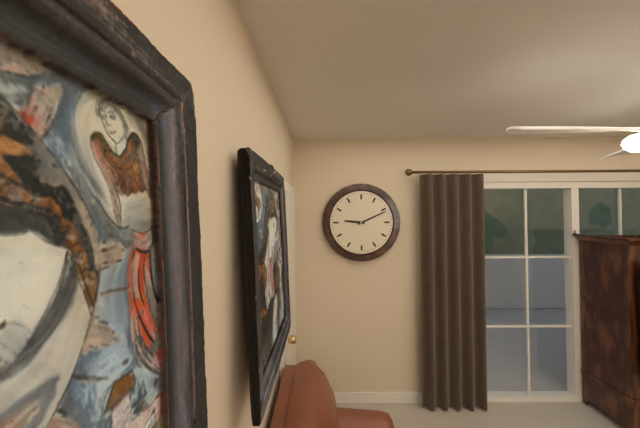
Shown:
9:11
